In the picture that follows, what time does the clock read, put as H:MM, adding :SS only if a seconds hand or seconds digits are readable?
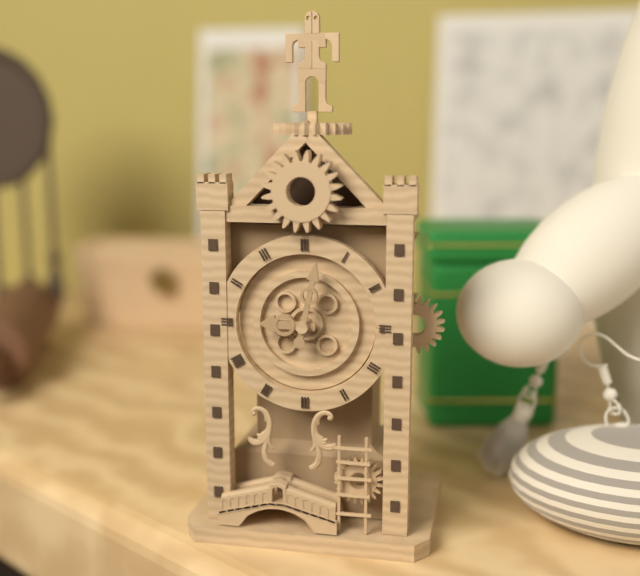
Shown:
9:02
